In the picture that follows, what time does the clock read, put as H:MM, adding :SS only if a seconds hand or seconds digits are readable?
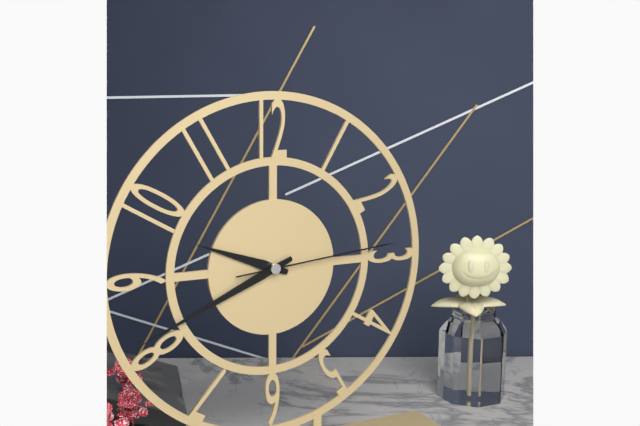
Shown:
9:41:14
